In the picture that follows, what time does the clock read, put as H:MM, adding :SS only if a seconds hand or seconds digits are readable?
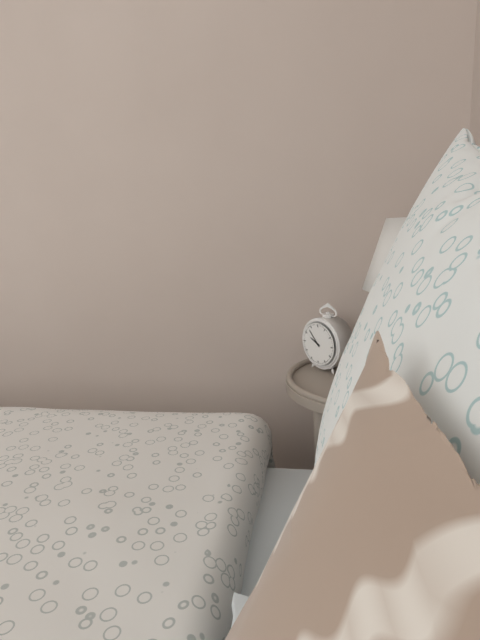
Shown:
9:53
